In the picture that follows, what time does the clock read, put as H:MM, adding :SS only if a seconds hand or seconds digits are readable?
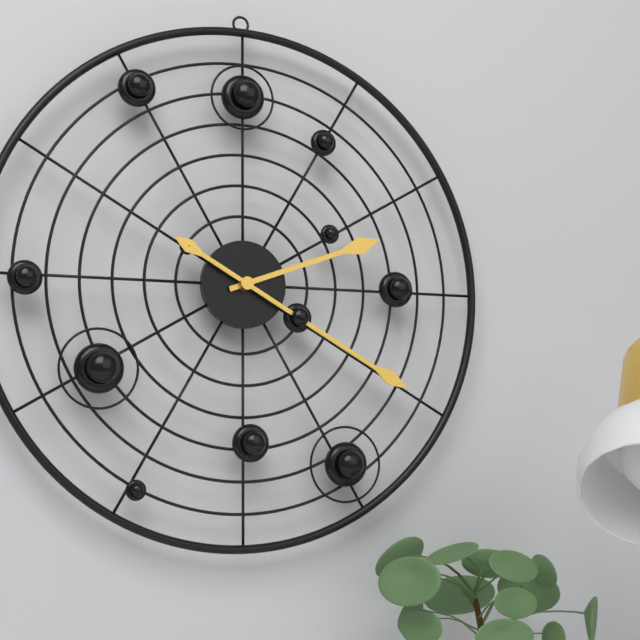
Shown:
2:20
